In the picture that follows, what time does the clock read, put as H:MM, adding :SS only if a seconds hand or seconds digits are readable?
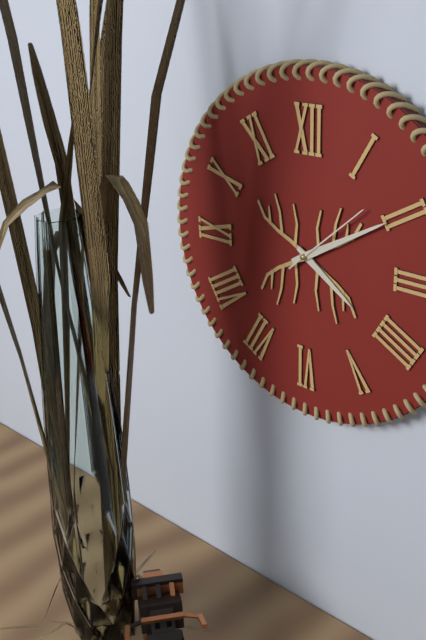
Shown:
4:10:08
